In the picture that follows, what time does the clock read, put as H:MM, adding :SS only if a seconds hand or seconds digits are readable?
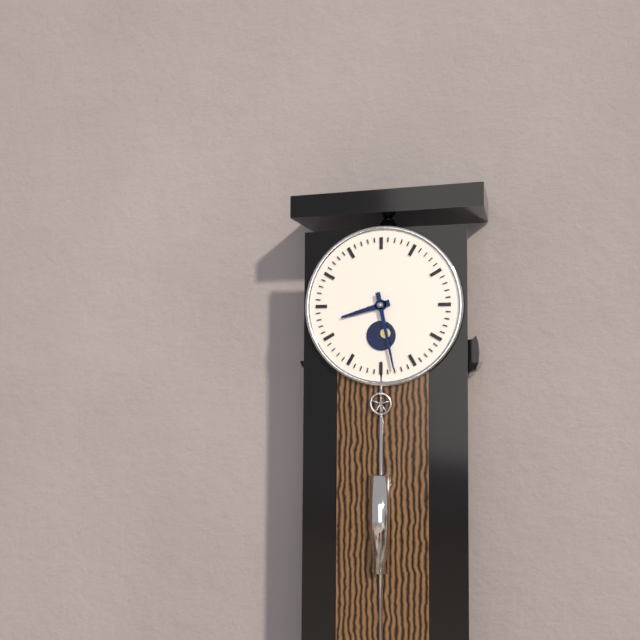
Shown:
8:28
